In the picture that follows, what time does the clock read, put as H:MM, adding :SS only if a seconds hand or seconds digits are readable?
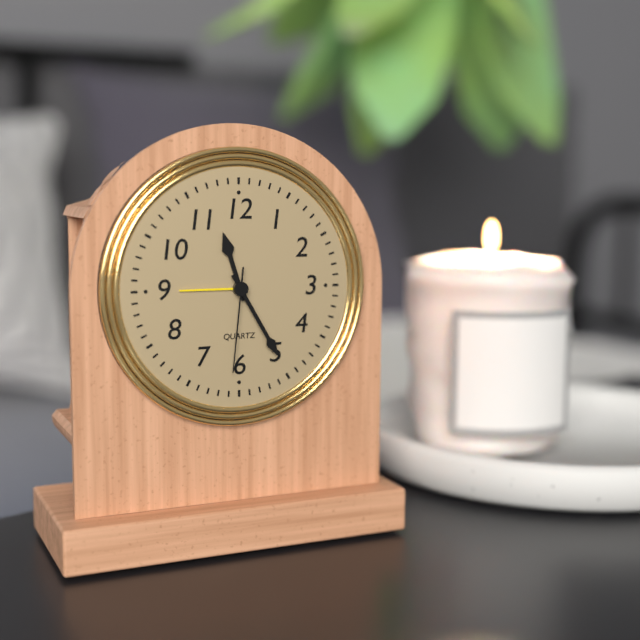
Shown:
11:25:31
